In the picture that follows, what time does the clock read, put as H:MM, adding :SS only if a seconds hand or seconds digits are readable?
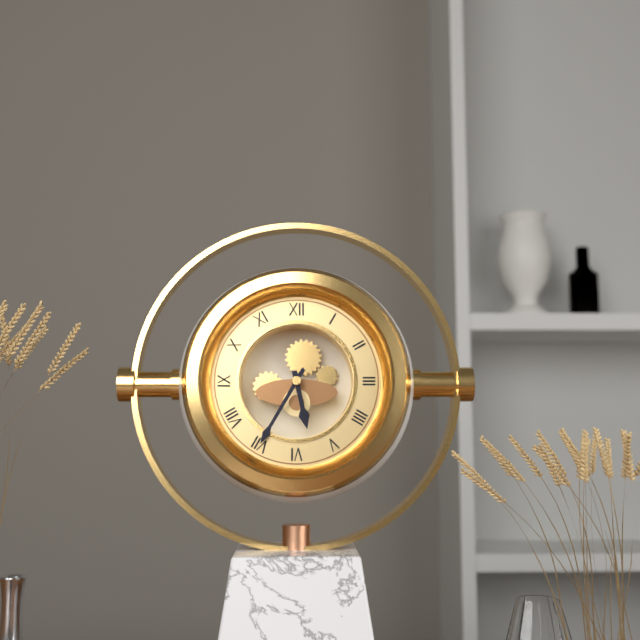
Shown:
5:35
